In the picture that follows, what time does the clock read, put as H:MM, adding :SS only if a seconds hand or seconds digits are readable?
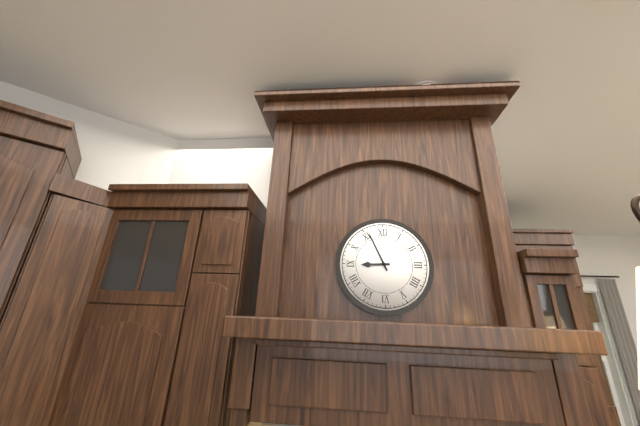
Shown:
8:56
